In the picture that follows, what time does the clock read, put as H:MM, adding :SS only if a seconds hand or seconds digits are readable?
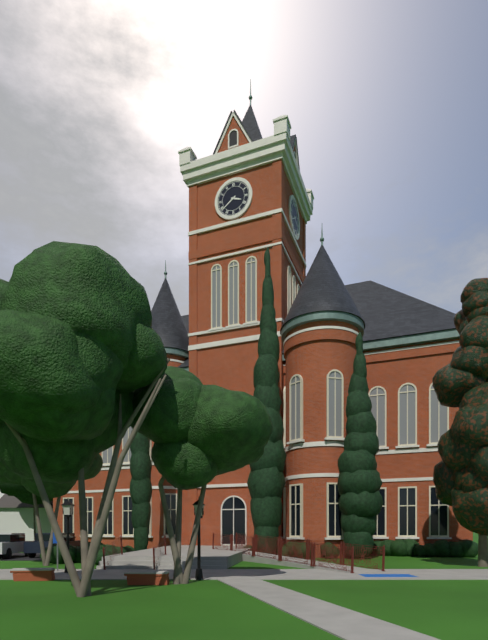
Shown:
3:39
